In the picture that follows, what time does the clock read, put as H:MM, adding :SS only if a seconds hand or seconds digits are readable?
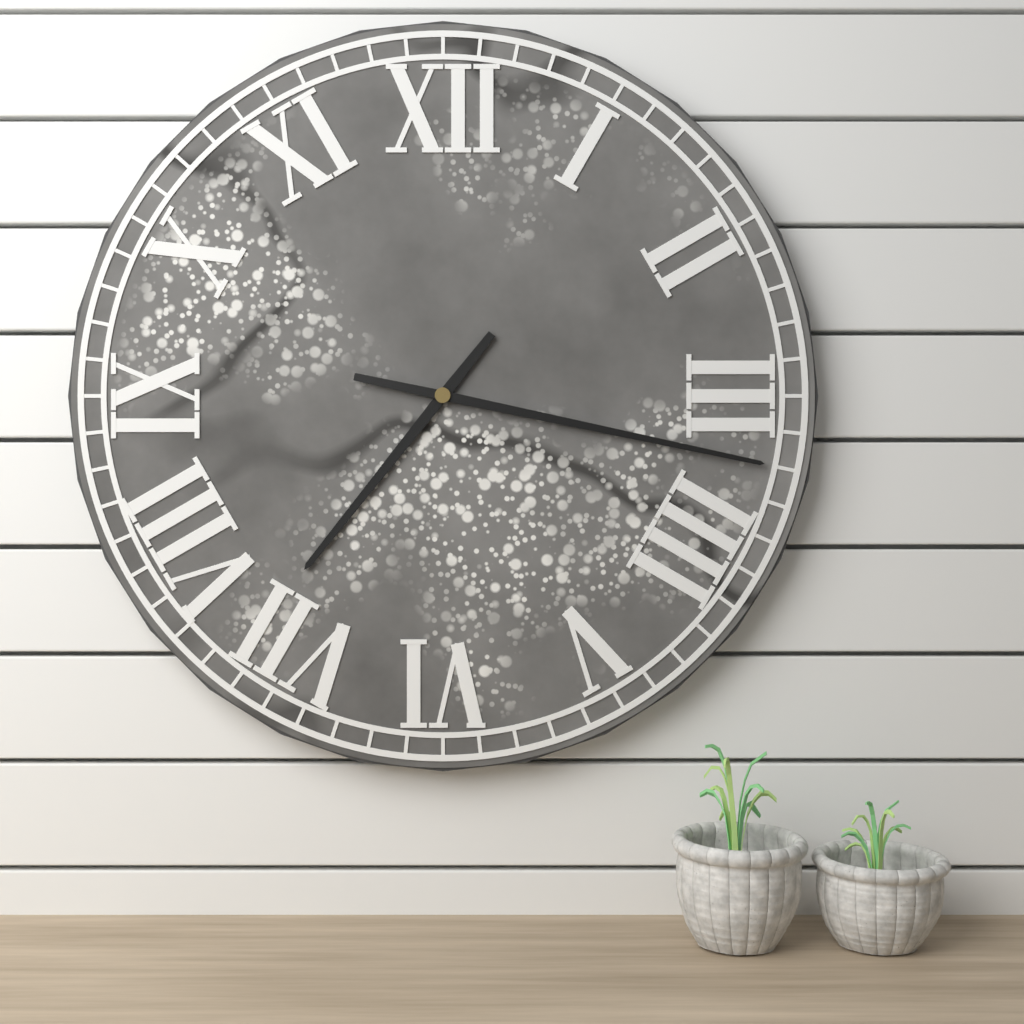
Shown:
7:17
